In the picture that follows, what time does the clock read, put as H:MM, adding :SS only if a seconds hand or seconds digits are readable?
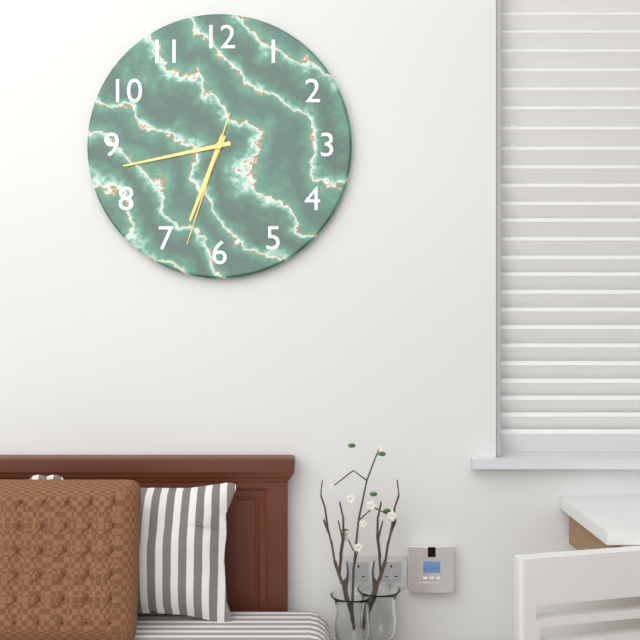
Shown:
6:43:33
